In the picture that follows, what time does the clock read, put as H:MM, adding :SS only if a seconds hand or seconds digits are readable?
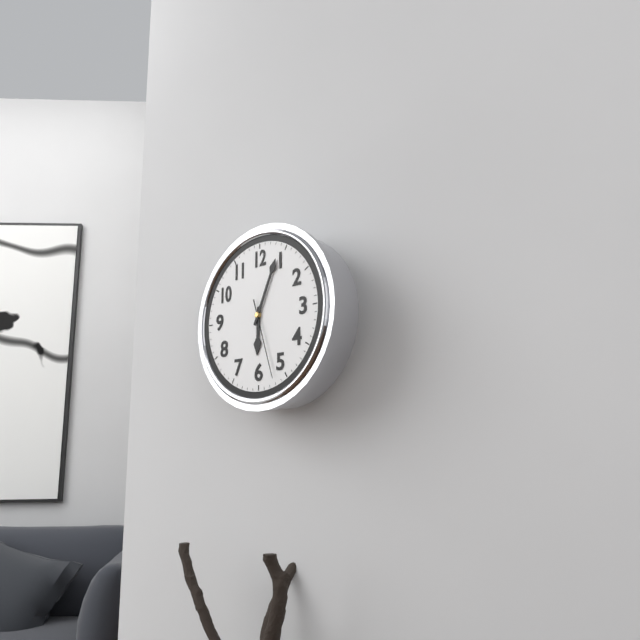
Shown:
6:04:27
